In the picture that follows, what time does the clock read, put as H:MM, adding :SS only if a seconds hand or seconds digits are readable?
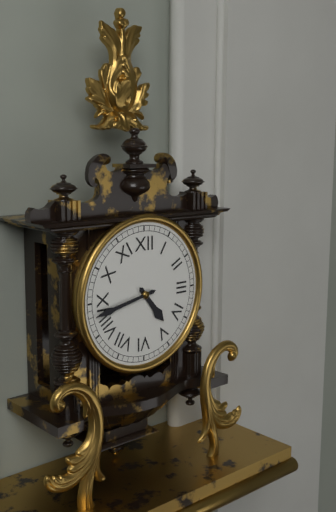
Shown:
4:43
